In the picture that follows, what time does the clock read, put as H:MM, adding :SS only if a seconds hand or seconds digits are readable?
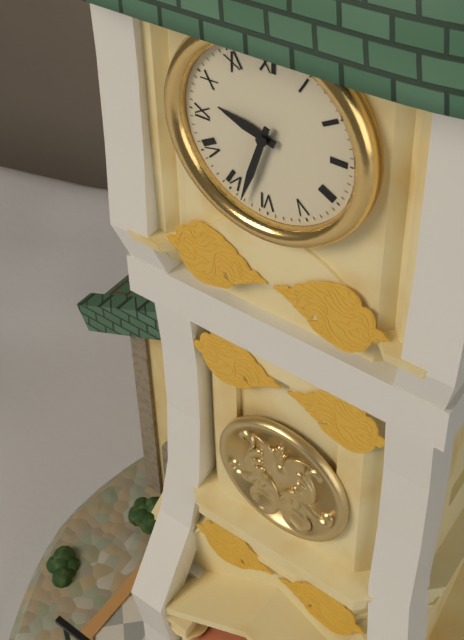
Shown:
9:33
